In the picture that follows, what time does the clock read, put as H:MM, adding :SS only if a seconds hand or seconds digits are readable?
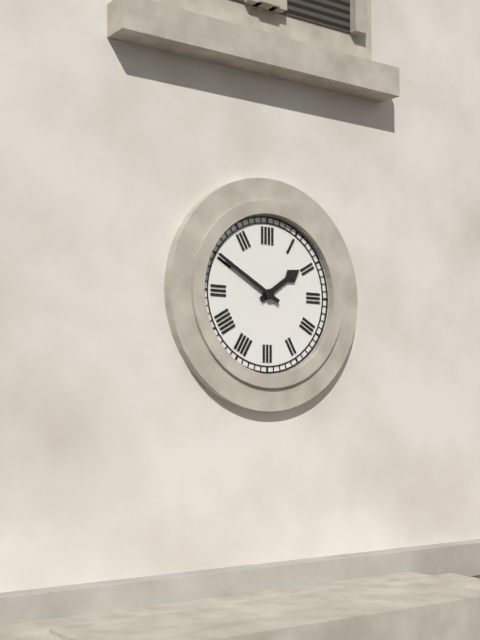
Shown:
1:50
